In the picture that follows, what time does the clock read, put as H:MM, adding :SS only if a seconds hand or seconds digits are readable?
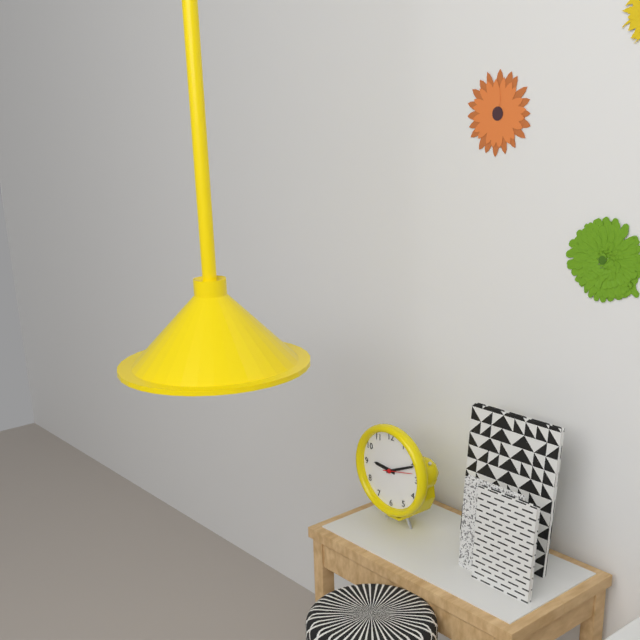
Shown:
9:11
